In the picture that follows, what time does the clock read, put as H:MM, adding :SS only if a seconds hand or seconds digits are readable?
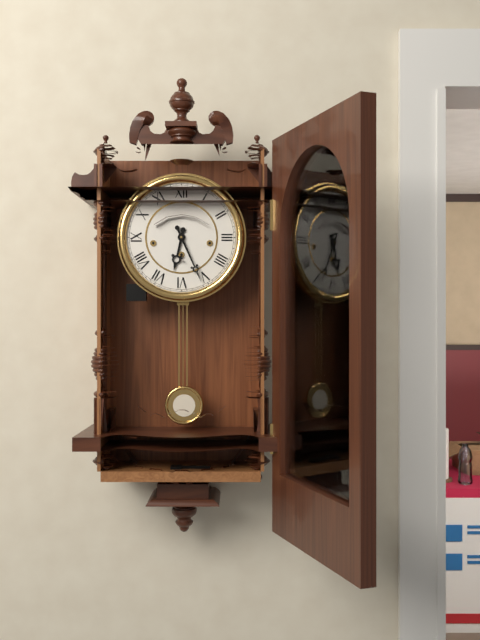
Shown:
6:26
